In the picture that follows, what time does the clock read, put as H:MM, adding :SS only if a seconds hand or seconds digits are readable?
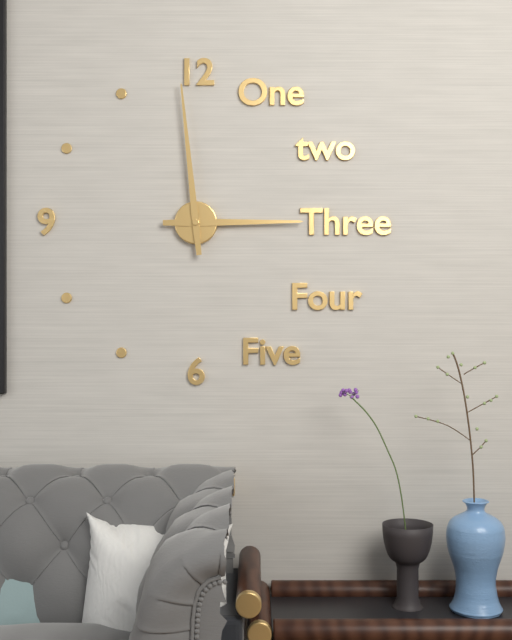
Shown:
2:59
